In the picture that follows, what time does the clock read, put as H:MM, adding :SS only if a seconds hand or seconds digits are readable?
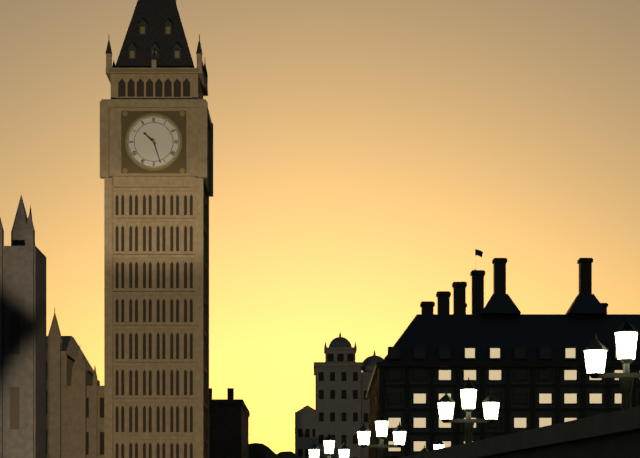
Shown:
10:27
